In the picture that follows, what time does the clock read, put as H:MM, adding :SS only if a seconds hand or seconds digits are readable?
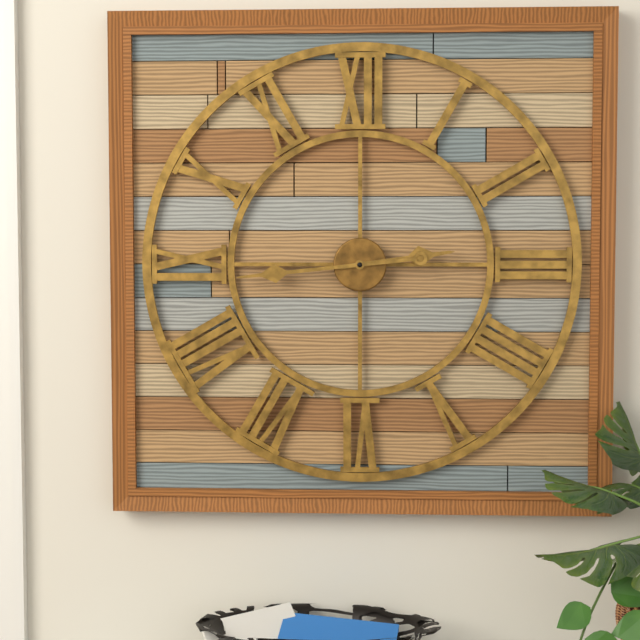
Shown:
2:44
